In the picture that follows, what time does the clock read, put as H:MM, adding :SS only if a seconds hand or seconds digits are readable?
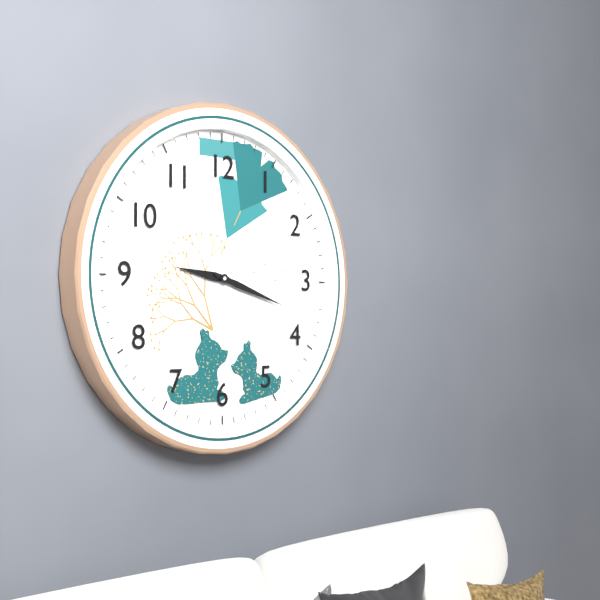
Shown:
9:18
